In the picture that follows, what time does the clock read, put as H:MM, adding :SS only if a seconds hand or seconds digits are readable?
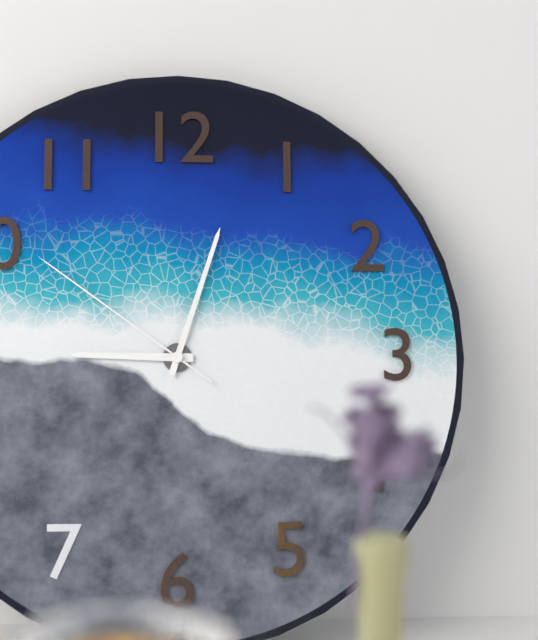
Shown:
9:03:51
